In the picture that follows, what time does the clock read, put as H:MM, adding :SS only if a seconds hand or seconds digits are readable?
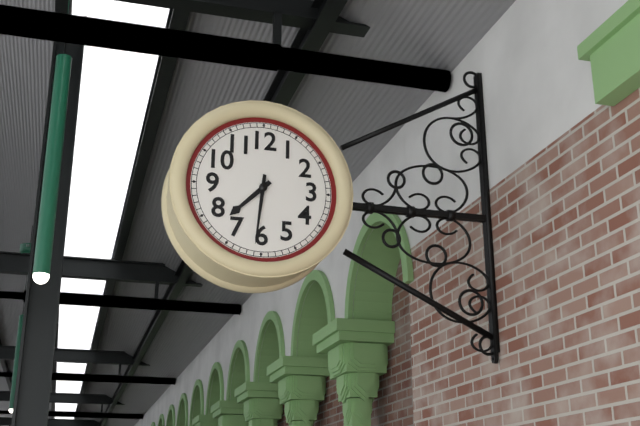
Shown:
7:31
